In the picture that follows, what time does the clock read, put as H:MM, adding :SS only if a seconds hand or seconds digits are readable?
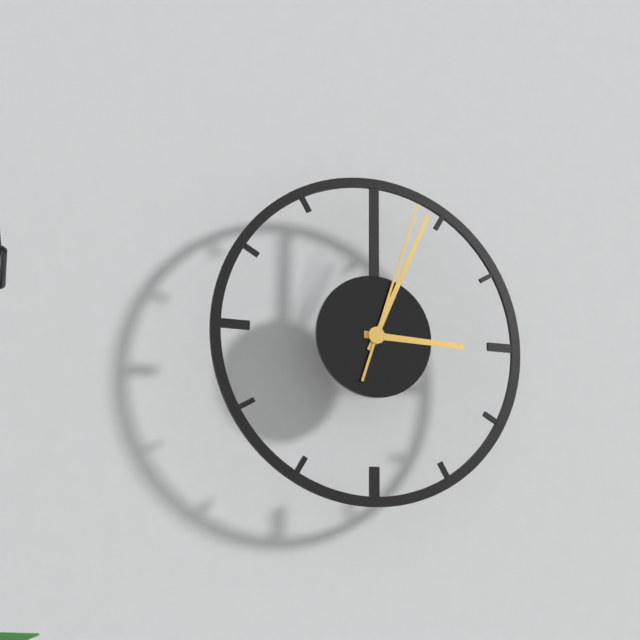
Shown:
3:04:03
